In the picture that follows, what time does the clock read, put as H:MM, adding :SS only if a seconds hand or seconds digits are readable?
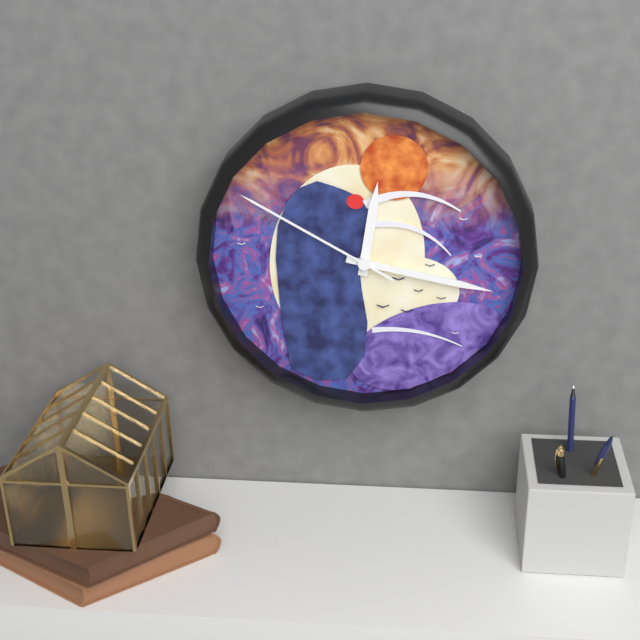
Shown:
12:17:50
